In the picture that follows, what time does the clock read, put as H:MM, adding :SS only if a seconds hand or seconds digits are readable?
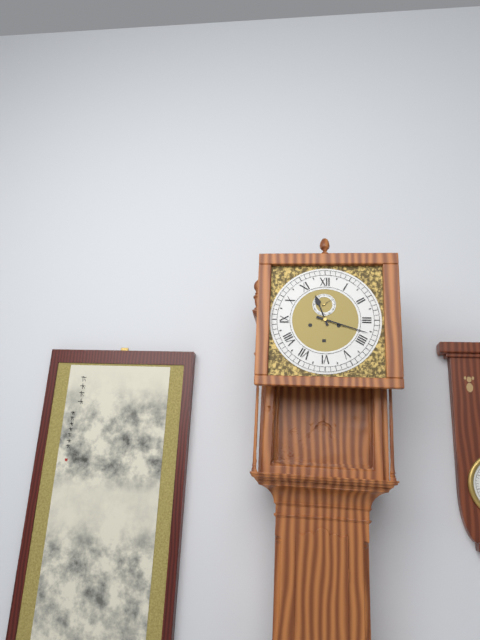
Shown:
11:18
